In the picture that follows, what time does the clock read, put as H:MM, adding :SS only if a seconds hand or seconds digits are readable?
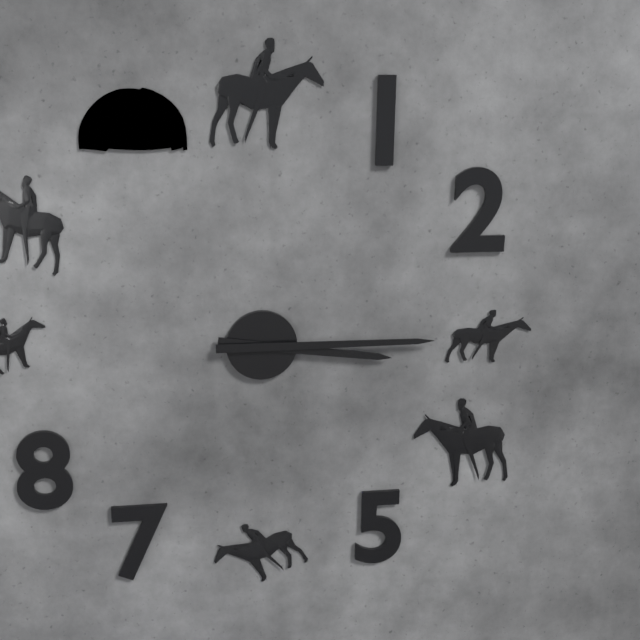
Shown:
3:15
